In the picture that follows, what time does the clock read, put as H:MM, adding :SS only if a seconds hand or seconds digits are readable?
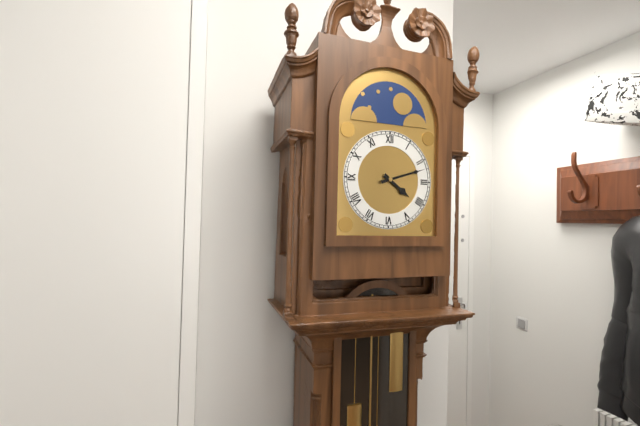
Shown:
4:12
